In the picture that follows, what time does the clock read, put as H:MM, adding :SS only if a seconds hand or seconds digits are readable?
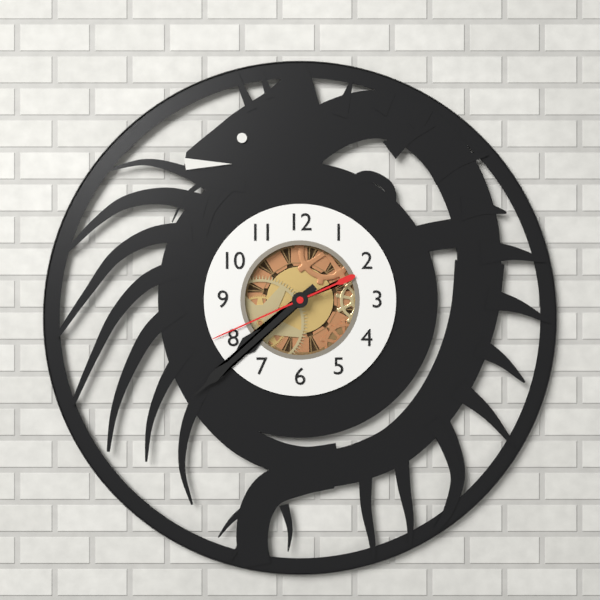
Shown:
7:38:41
